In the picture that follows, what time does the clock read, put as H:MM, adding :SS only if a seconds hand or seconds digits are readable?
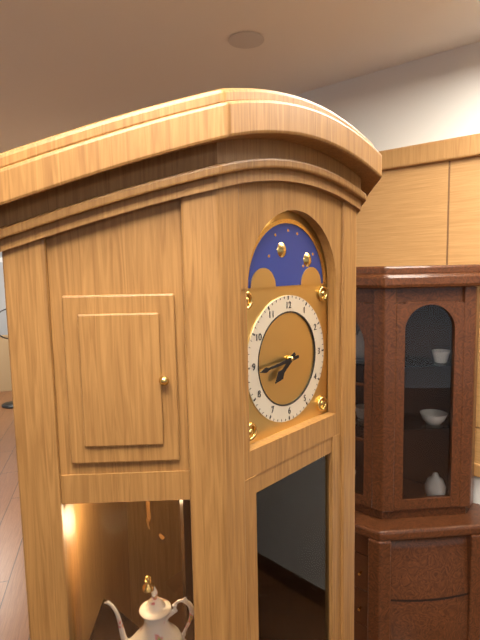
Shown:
7:44
